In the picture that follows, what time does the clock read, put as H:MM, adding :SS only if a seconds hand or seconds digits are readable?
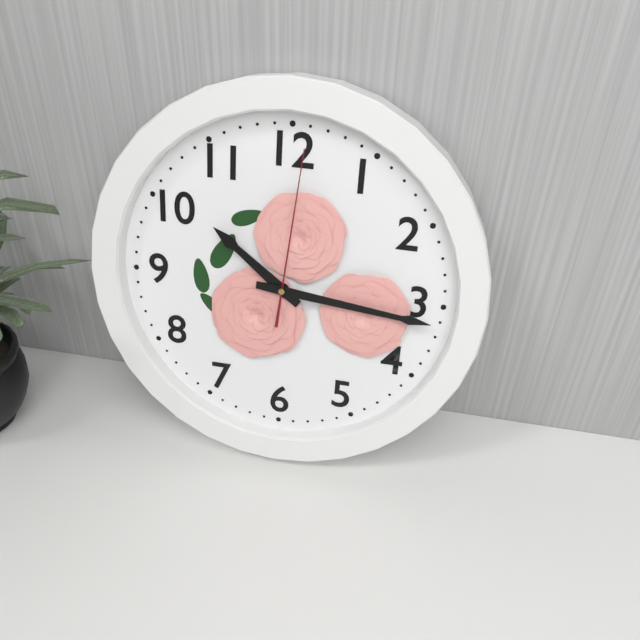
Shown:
10:16:01
